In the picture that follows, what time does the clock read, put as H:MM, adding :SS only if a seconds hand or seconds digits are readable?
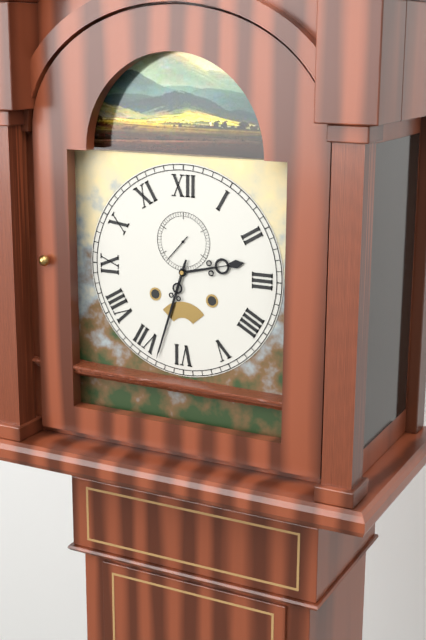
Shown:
2:33
